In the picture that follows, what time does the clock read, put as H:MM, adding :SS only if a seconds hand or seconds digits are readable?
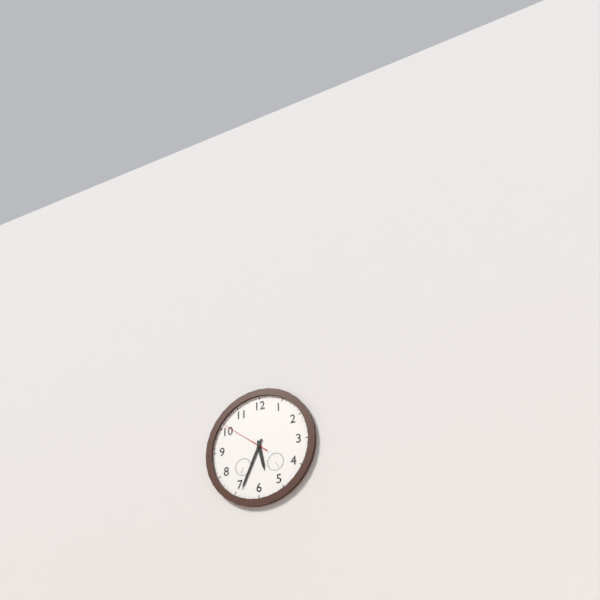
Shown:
5:34:51
